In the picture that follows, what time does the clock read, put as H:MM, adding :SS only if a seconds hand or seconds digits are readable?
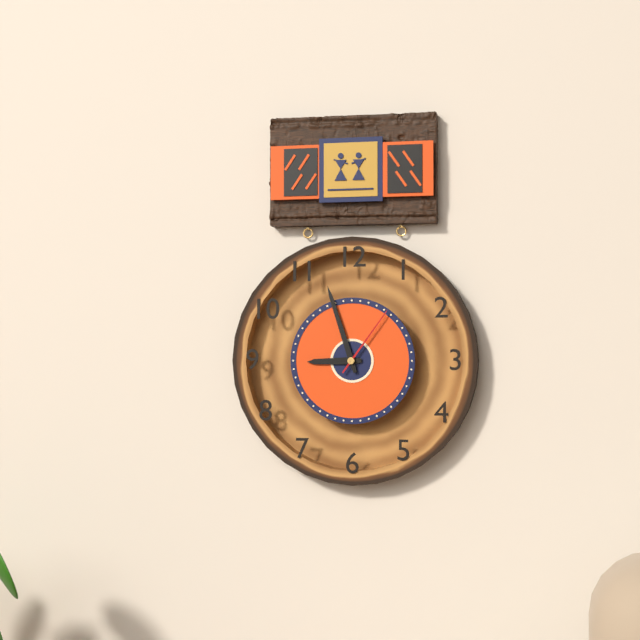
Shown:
8:57:06
